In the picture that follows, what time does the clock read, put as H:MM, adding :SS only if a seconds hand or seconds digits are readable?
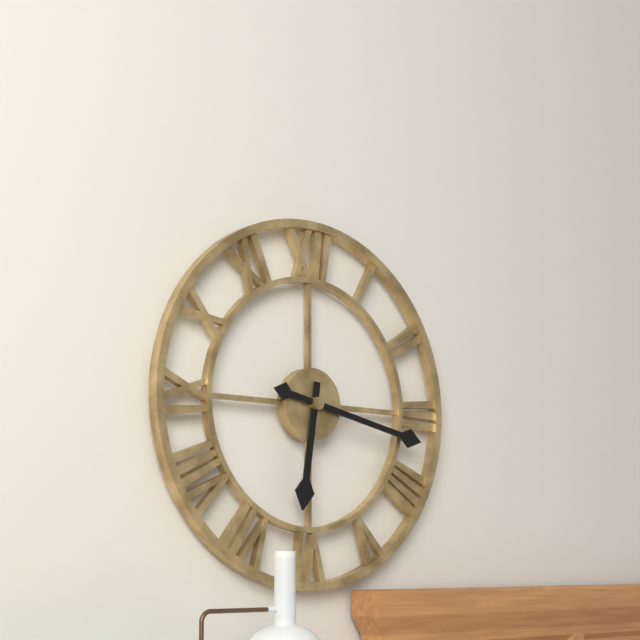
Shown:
6:17
